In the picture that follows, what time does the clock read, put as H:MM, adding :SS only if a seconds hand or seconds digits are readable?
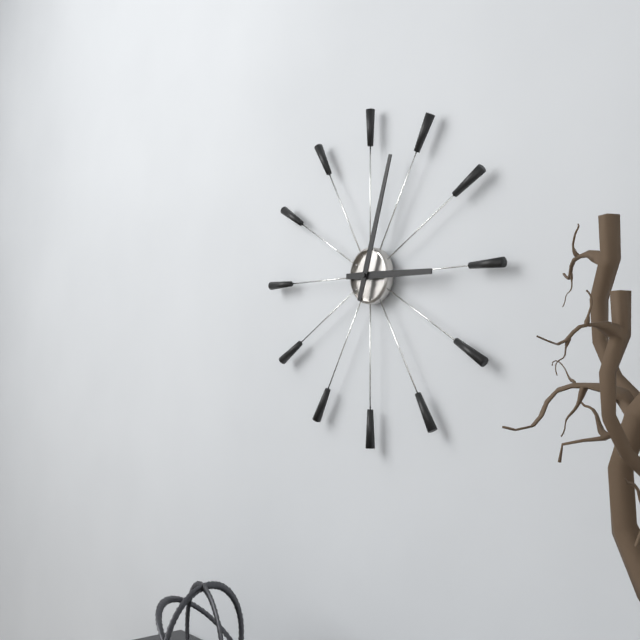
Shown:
3:03
